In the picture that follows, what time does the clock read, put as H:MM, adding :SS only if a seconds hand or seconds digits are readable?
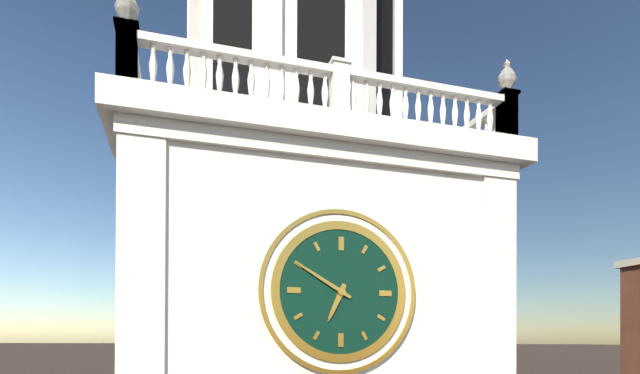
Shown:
6:50
